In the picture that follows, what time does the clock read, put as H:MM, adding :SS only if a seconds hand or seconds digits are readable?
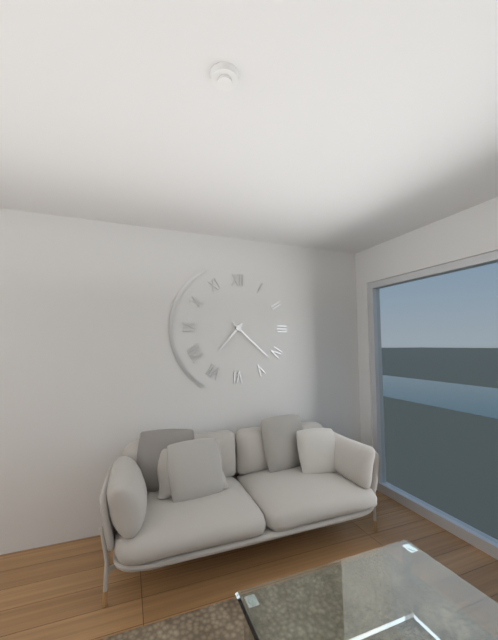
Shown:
7:22
